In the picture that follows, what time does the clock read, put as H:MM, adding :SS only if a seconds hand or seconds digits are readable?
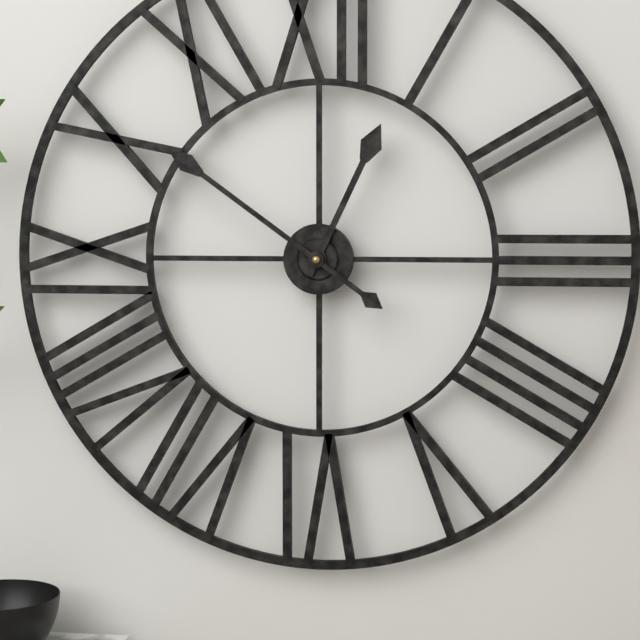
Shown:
12:51
